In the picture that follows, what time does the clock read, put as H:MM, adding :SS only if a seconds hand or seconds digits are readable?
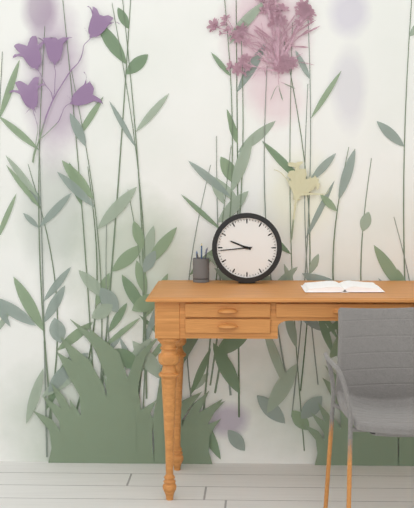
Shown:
9:44
